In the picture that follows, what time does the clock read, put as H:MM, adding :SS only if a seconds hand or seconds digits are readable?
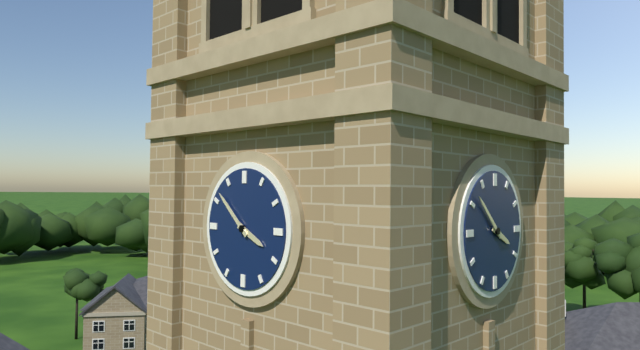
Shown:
3:52
